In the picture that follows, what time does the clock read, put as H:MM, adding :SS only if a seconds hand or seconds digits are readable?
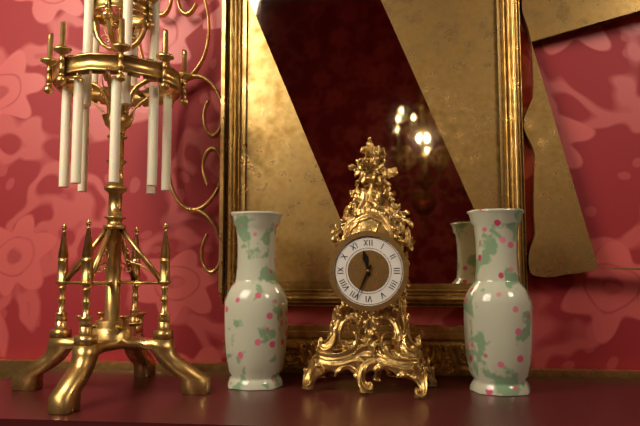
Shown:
11:34
